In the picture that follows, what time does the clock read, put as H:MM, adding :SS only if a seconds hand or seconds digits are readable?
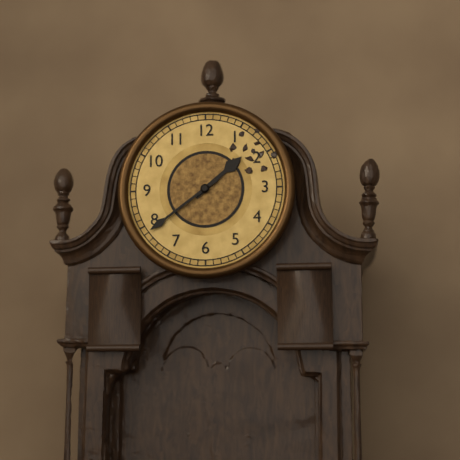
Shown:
1:39
